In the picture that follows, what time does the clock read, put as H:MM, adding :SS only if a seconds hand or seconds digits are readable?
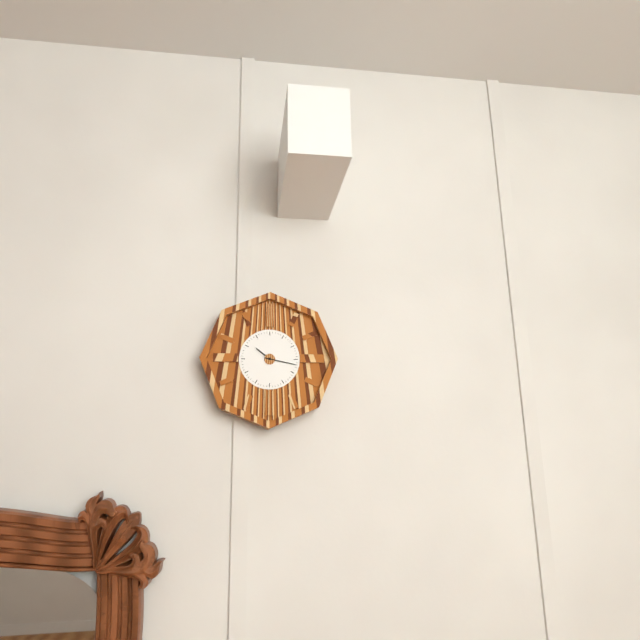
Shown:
10:17
